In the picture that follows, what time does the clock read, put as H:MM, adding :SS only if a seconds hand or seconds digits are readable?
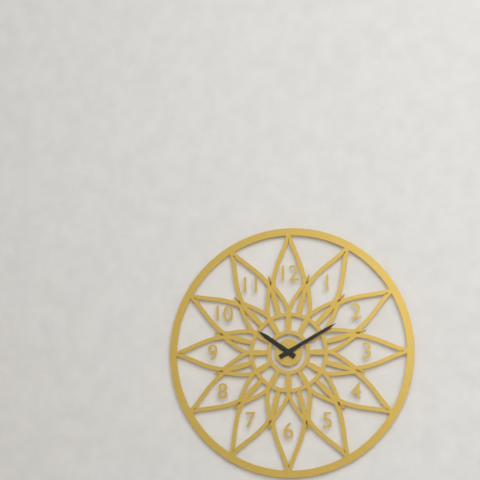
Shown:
10:10
